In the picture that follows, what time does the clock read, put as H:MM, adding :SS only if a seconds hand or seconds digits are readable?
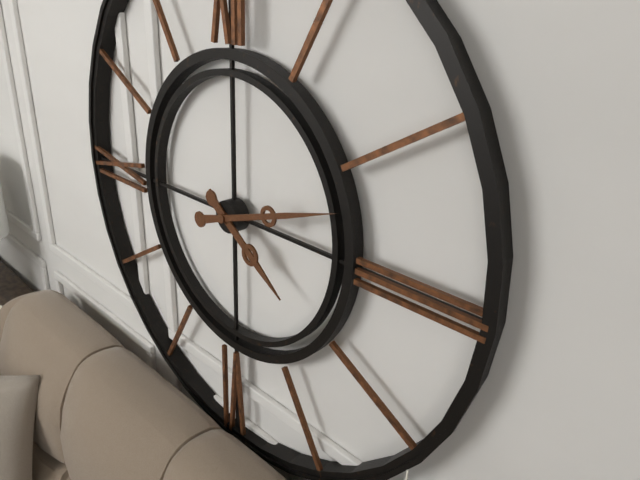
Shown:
4:12
